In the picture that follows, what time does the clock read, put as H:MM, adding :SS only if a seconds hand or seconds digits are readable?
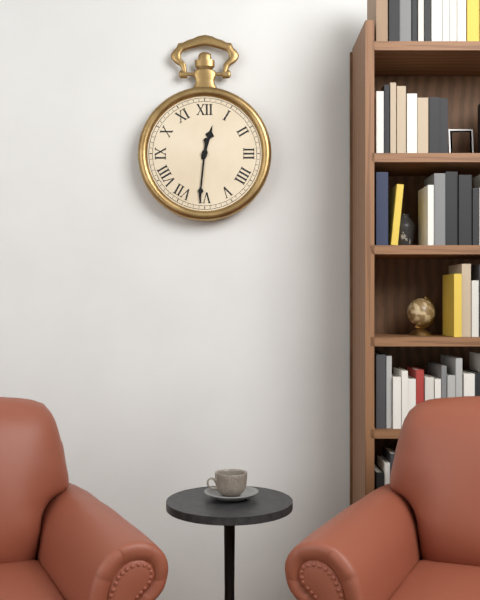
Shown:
12:31
